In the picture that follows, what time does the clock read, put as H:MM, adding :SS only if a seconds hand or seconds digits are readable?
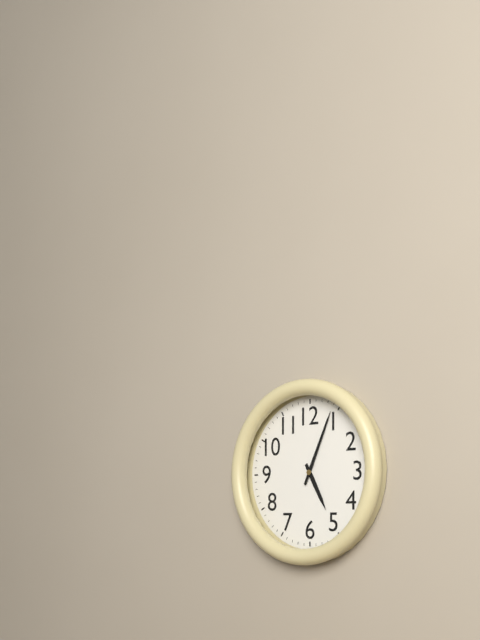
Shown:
5:04
